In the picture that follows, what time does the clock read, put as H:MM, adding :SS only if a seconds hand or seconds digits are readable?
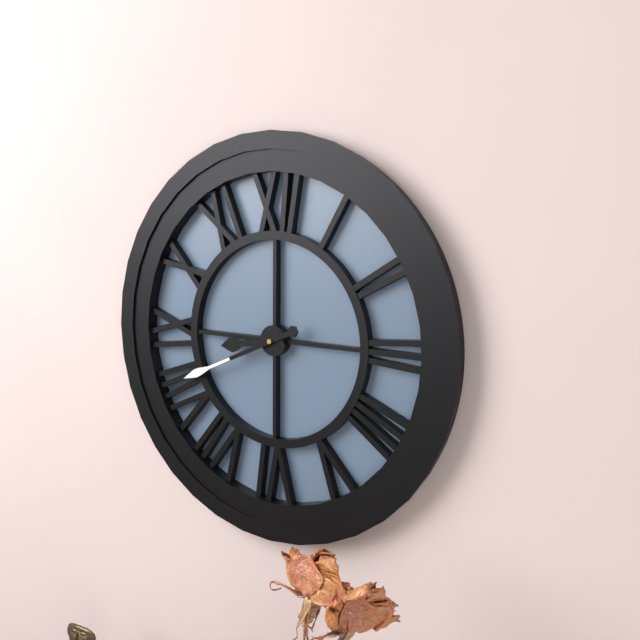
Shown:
8:41
